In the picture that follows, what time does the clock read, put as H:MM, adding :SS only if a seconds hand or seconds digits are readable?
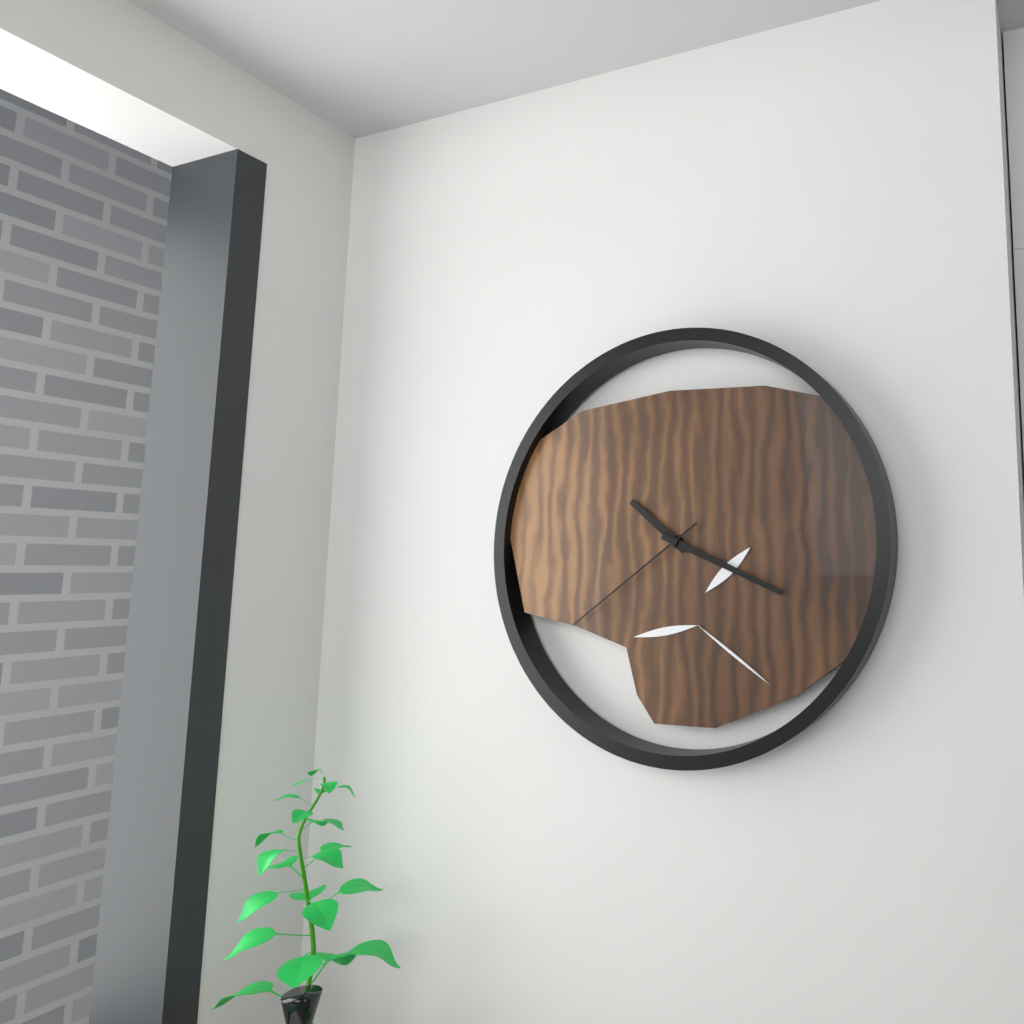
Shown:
10:19:39
